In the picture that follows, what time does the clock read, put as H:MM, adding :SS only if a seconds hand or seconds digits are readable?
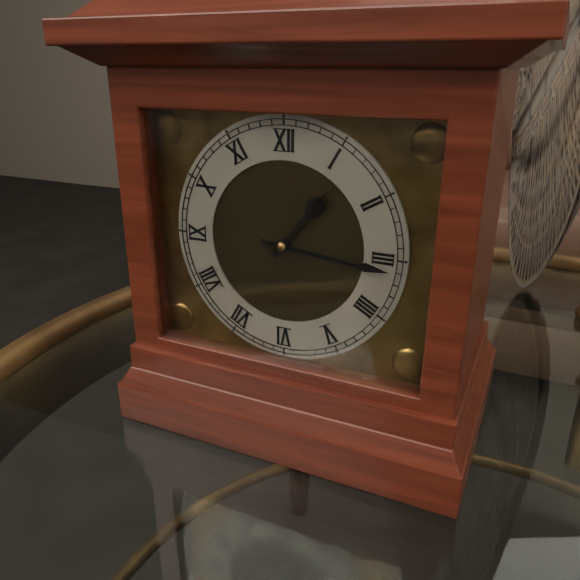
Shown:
1:16
